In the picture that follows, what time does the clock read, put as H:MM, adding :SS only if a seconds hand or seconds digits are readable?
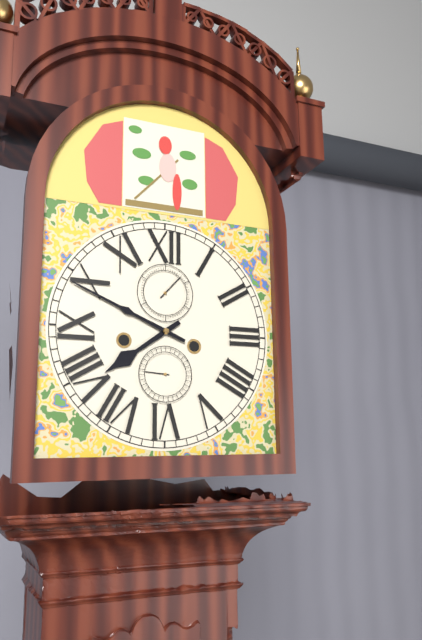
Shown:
7:49
